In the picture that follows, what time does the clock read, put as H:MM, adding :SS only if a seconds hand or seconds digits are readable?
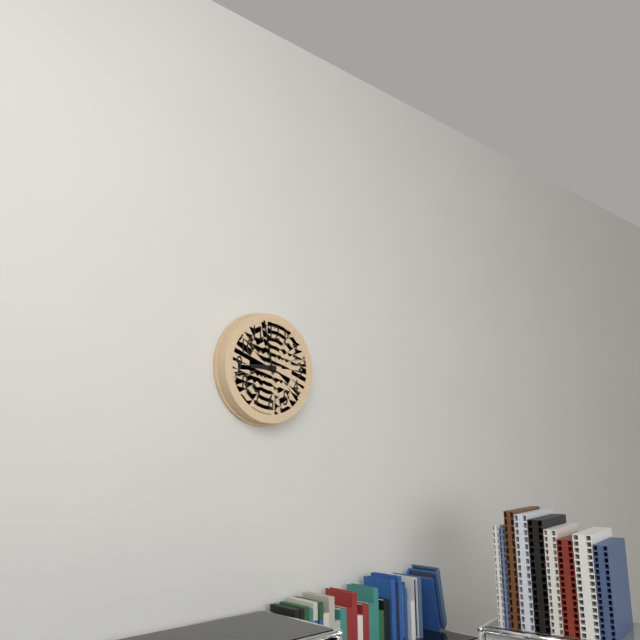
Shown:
8:58
